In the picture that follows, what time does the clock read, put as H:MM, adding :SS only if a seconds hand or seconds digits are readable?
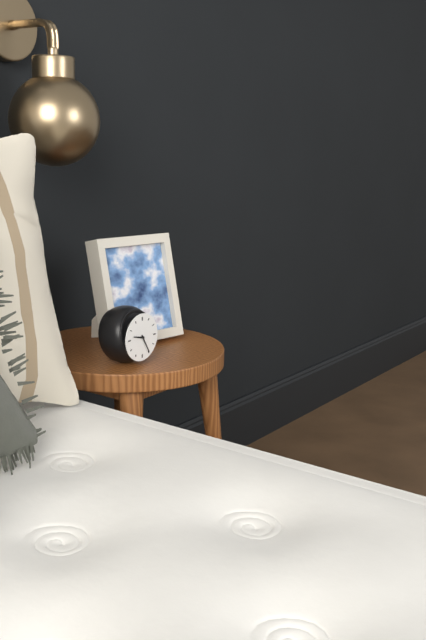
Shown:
9:25
